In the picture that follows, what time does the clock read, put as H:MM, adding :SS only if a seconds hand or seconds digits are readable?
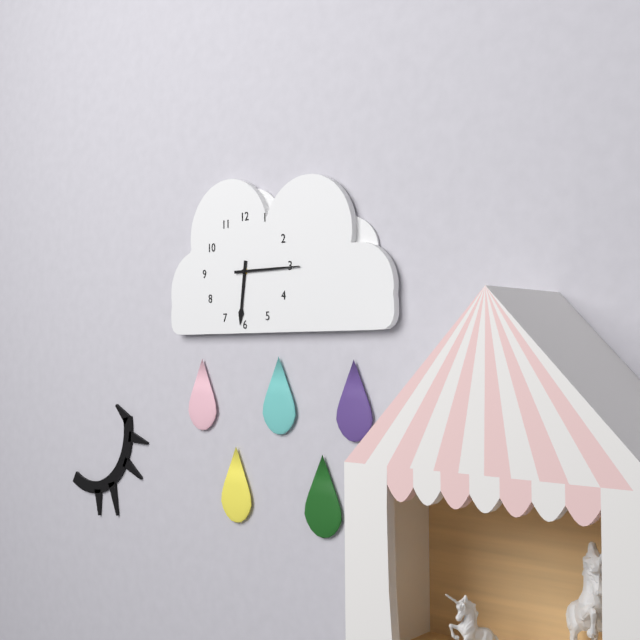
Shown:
6:15
